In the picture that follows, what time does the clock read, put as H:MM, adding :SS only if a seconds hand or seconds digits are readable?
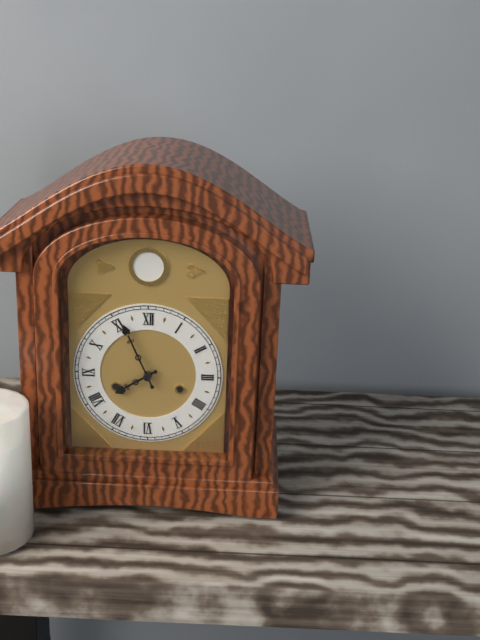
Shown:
7:56
